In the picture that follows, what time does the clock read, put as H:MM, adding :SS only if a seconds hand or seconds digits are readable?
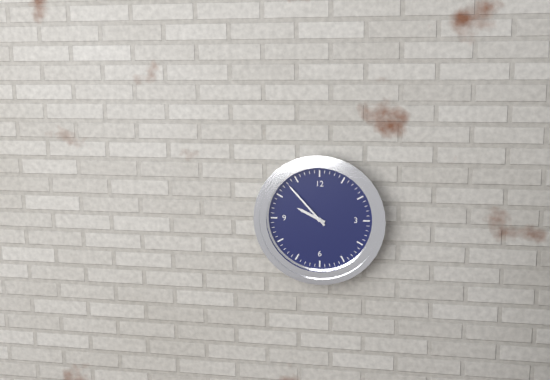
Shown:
9:53
